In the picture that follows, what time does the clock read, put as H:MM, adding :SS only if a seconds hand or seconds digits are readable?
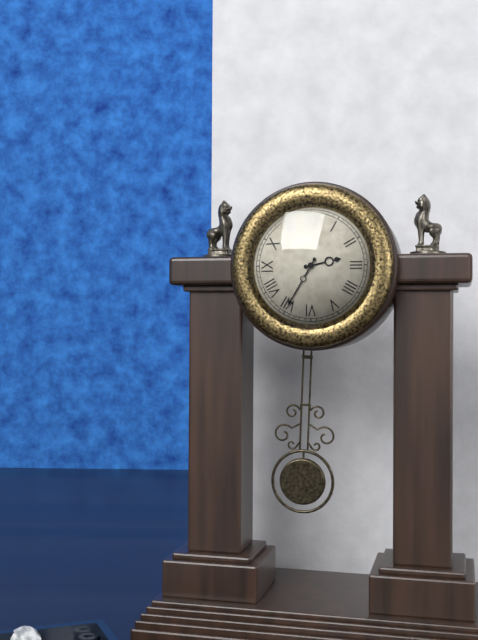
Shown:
2:35
